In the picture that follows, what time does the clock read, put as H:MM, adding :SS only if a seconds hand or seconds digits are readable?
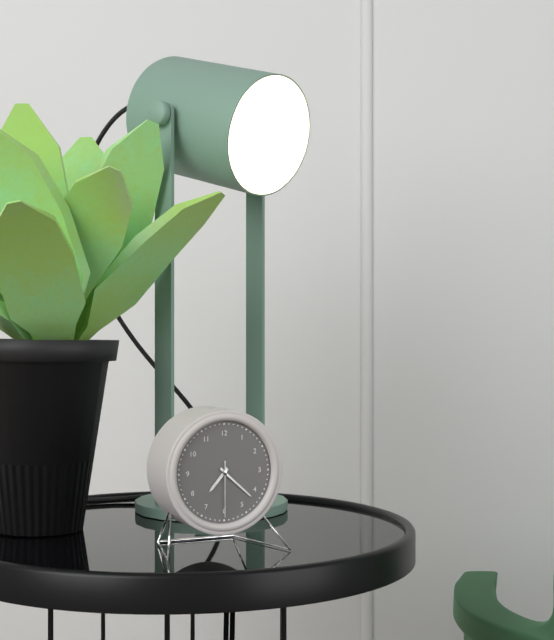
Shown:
7:22:30
